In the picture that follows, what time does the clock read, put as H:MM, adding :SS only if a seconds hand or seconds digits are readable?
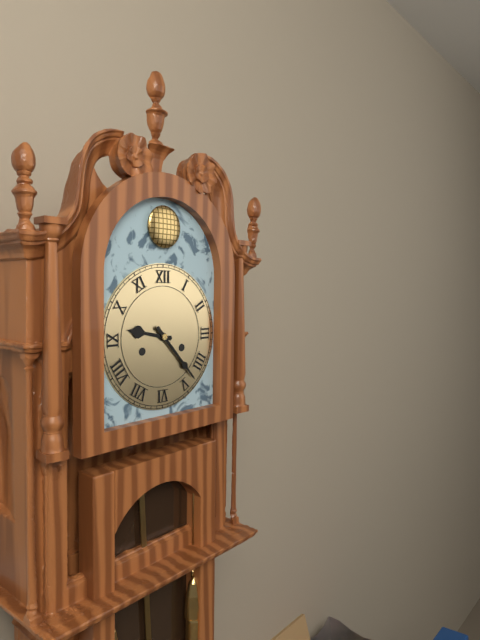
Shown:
9:23
